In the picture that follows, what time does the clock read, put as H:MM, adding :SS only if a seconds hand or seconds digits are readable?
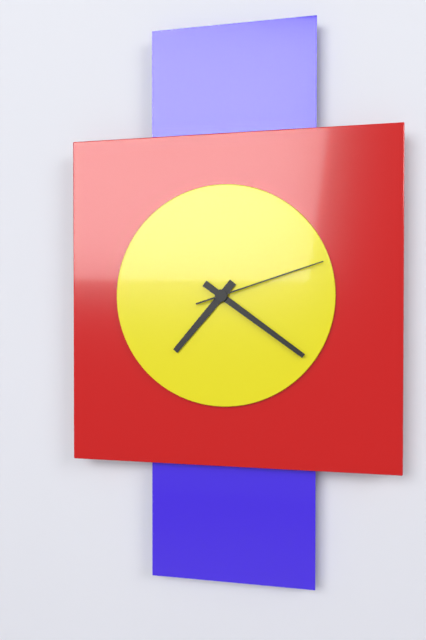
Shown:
7:21:12
